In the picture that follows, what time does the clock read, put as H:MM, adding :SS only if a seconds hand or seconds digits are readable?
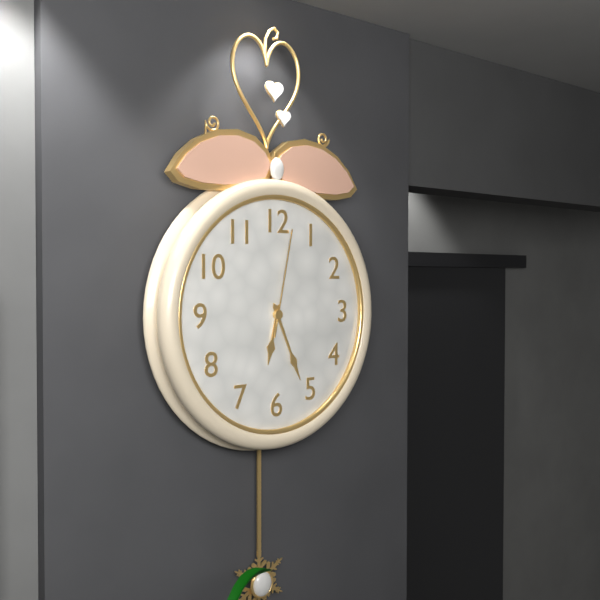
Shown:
6:26:02
